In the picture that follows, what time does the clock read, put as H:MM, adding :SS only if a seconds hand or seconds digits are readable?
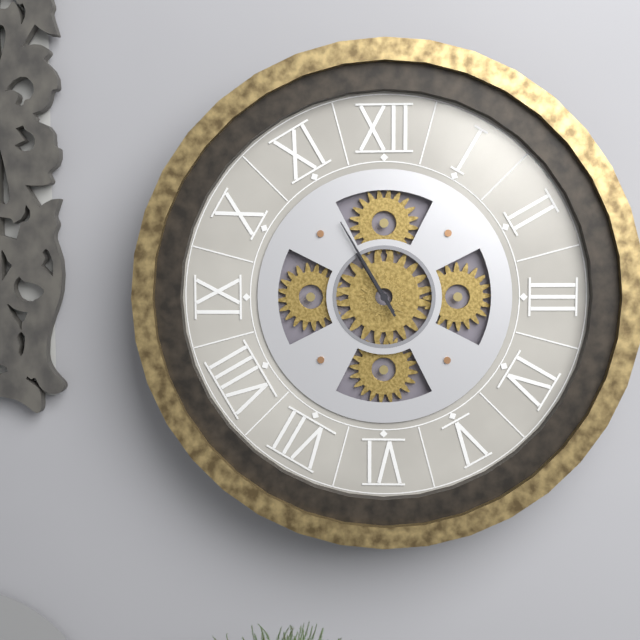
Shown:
10:55
